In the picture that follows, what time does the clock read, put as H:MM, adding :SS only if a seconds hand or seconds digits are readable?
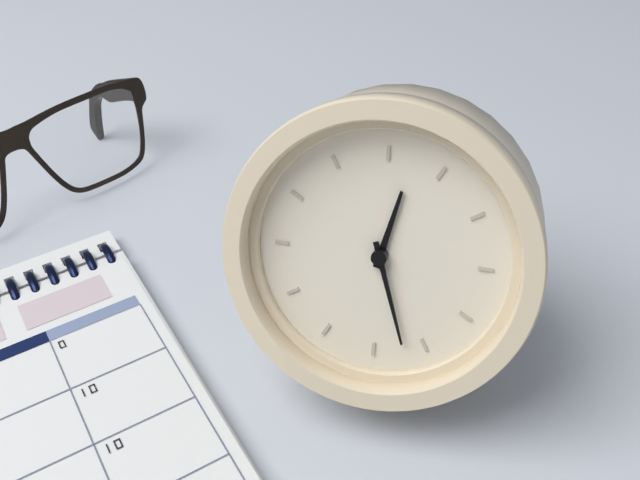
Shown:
12:27
